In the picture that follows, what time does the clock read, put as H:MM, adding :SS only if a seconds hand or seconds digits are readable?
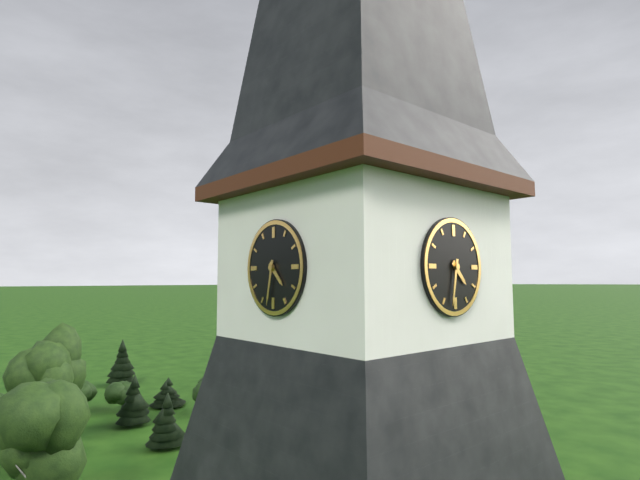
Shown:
4:32
